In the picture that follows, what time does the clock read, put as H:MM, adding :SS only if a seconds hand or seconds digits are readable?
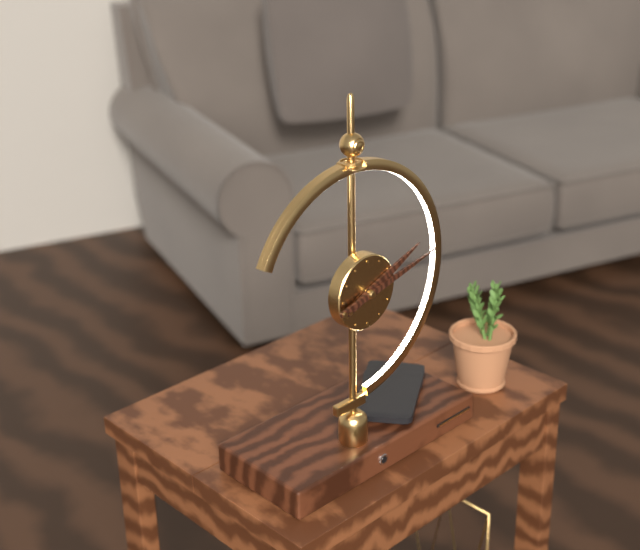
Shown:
2:13
